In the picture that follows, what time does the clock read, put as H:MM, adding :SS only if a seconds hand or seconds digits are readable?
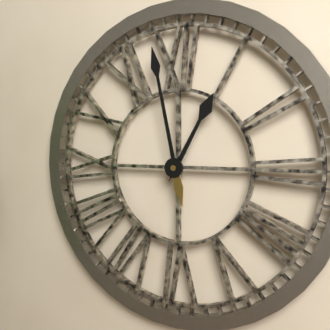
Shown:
12:58
